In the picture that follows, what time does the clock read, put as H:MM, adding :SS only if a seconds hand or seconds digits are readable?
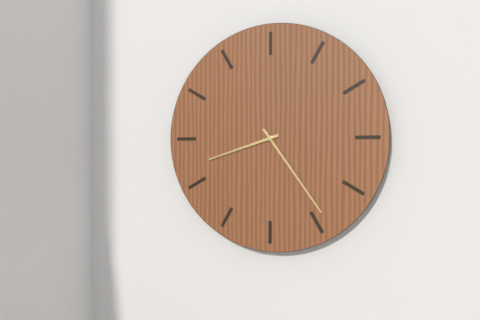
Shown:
8:24
